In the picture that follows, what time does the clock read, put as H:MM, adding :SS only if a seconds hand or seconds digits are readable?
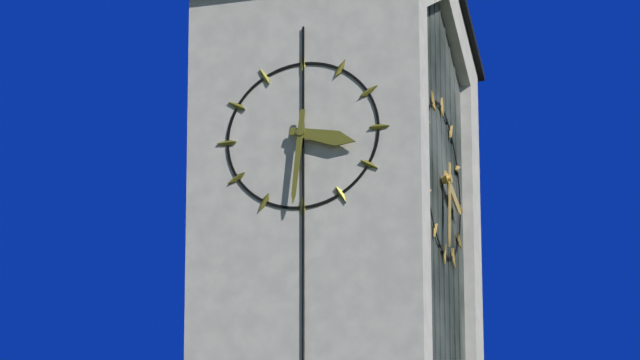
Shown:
3:31
